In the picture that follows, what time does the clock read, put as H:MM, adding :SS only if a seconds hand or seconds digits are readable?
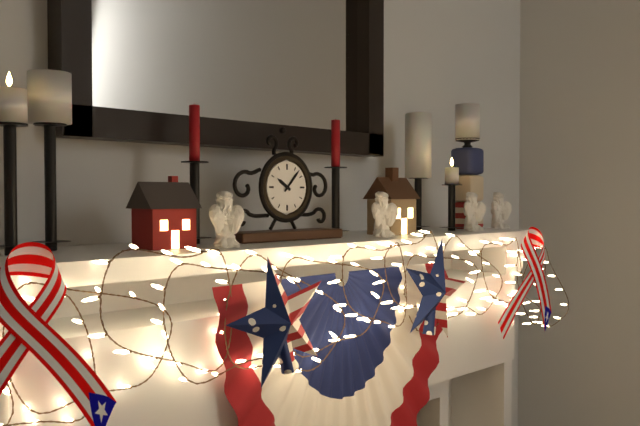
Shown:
10:07
